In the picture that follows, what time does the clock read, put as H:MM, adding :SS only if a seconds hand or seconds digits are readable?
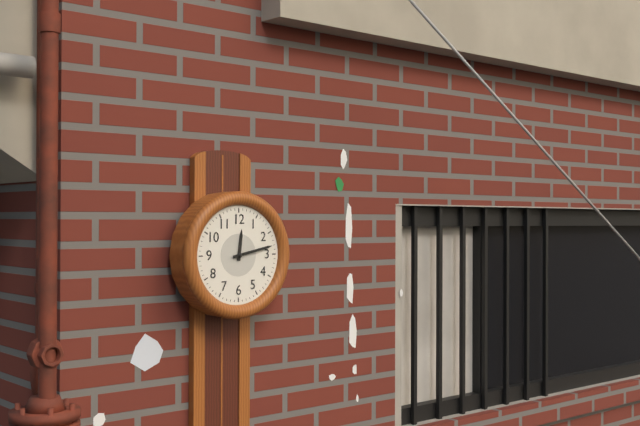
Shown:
12:13
